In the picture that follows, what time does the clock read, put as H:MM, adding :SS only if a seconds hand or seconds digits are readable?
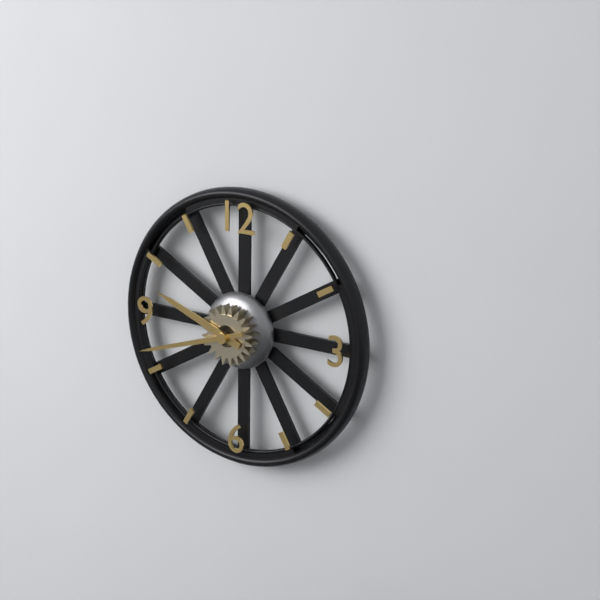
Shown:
9:42
